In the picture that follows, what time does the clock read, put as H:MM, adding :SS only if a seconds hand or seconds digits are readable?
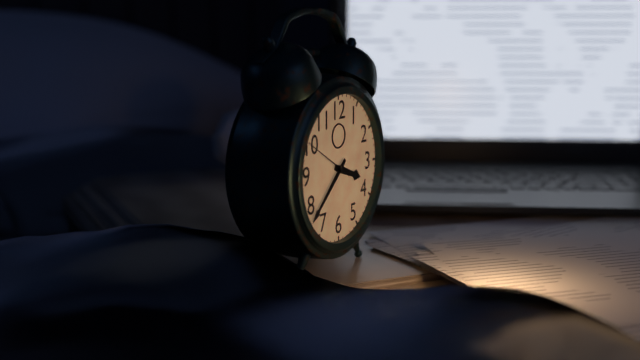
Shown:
3:38:50
